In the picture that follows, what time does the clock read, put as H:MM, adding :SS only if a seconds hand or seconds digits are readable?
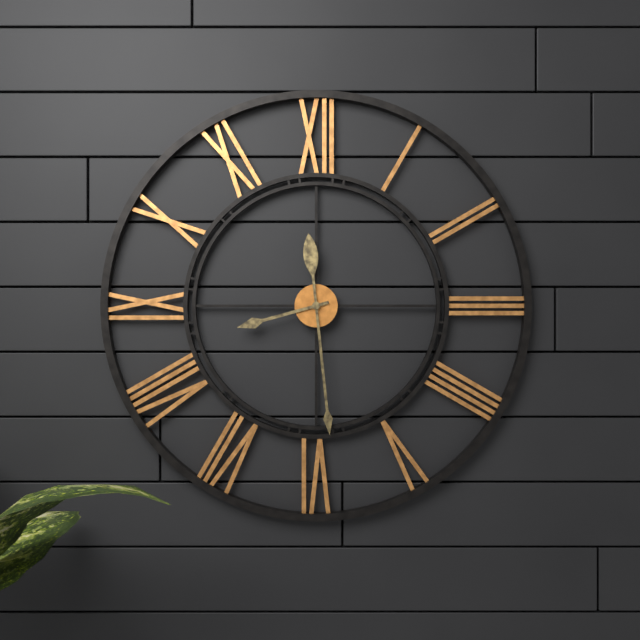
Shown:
8:29
